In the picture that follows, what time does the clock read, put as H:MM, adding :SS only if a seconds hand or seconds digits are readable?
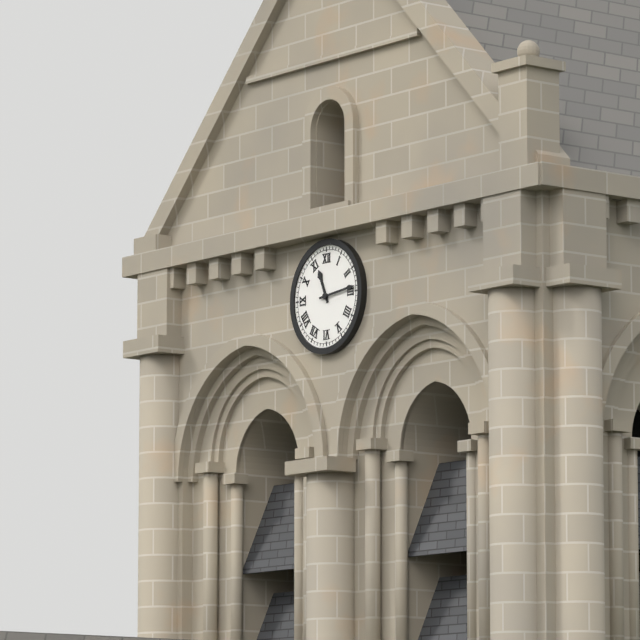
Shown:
11:14
